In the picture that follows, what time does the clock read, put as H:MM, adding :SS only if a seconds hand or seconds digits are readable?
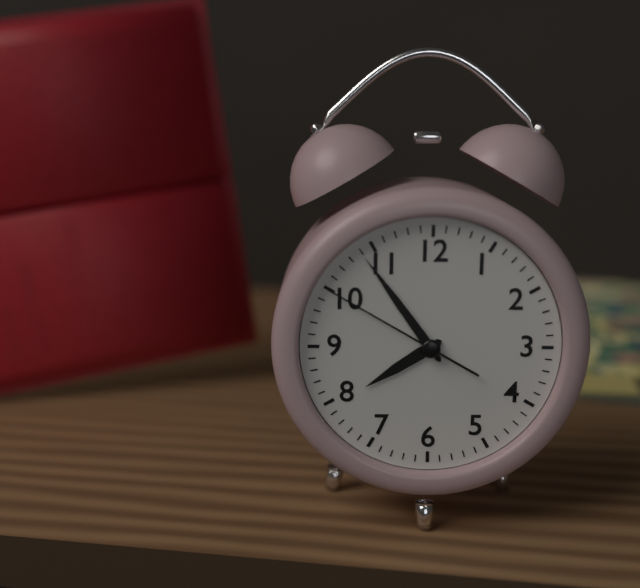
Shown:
7:54:50
